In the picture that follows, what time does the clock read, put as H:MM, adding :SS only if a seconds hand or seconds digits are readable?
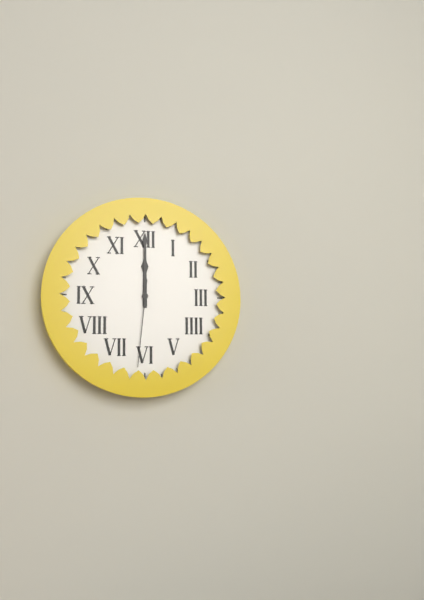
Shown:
12:00:31
